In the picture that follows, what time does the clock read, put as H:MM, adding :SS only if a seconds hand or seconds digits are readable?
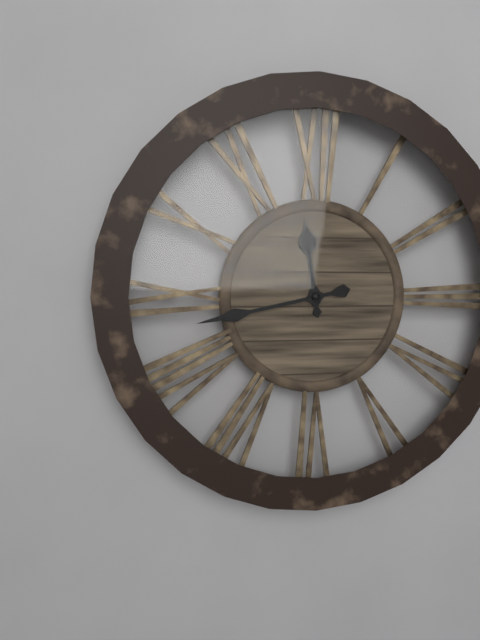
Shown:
11:43
